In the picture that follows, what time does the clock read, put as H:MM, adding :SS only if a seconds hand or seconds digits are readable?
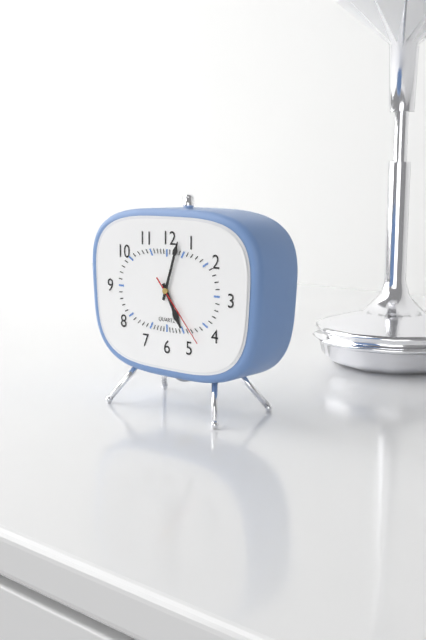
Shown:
5:03:23
